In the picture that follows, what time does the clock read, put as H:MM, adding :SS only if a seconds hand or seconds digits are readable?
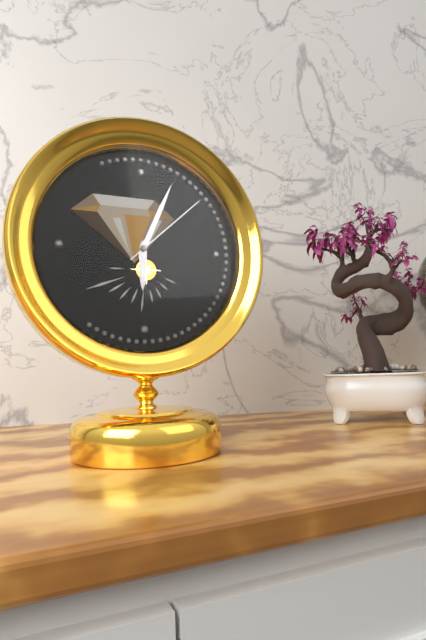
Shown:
6:04:08
